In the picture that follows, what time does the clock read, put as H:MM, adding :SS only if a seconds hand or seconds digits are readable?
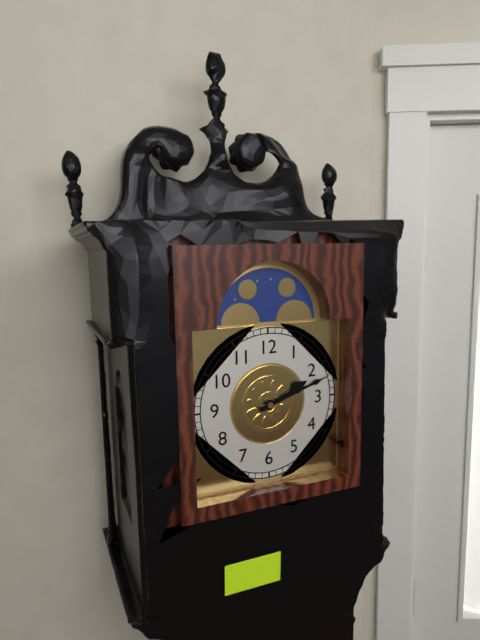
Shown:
2:12
